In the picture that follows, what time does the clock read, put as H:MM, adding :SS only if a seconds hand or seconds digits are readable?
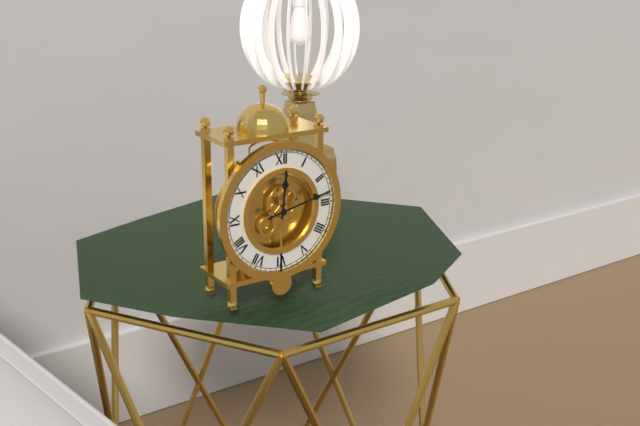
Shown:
12:13
